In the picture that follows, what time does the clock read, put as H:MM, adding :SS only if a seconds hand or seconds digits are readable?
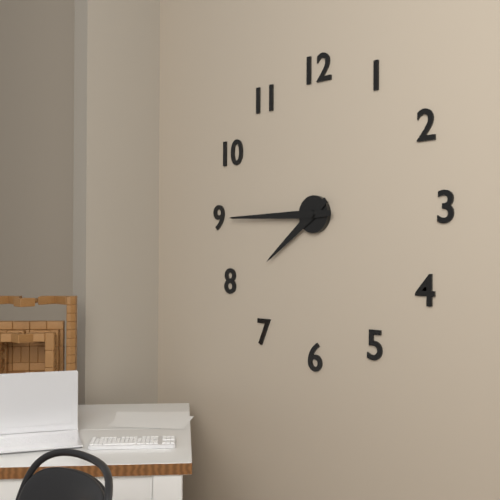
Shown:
7:45
